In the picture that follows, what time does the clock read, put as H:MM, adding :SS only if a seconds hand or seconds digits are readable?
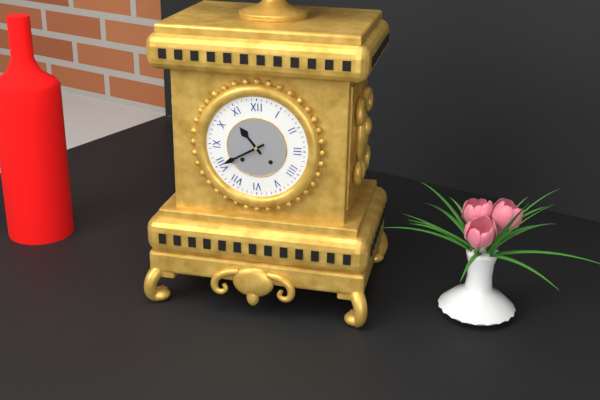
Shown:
10:40
